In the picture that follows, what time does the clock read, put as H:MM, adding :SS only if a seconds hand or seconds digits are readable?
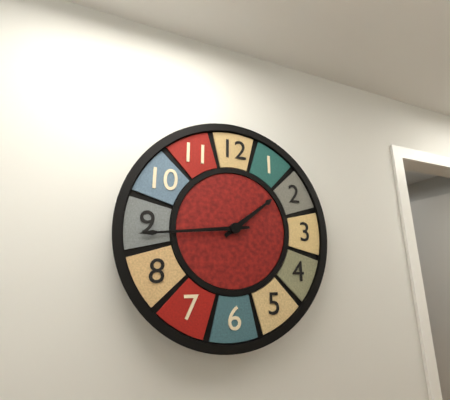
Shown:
1:44
